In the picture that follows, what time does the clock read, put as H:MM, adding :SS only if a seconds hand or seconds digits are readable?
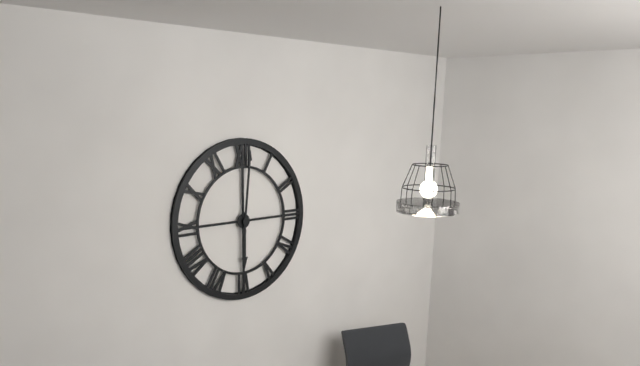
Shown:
6:01
